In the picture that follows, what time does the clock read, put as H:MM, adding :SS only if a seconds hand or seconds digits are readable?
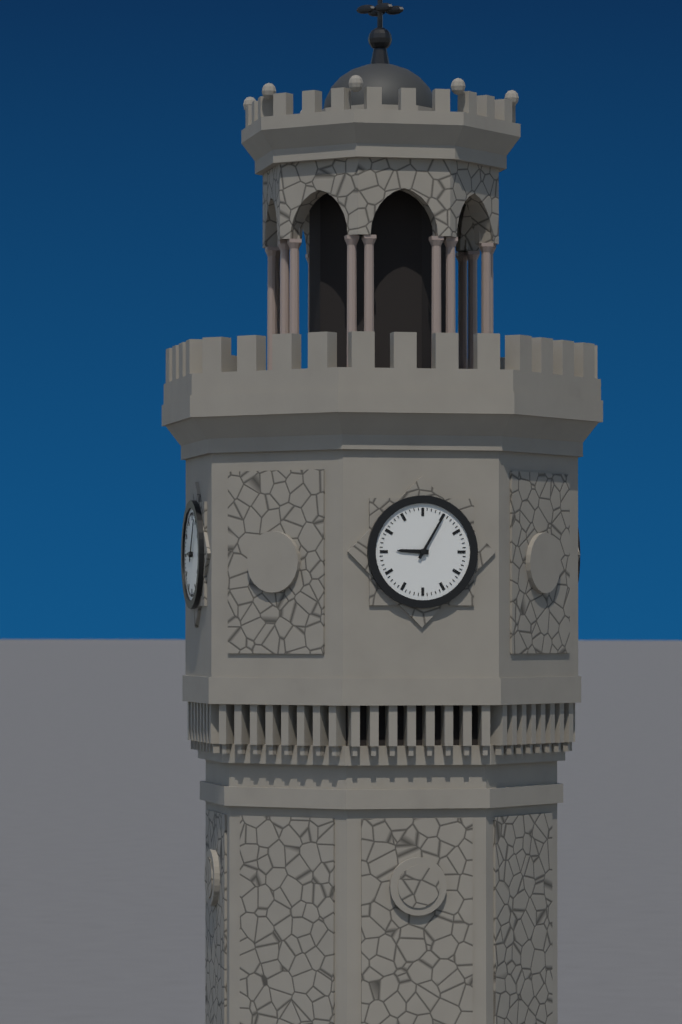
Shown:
9:05
